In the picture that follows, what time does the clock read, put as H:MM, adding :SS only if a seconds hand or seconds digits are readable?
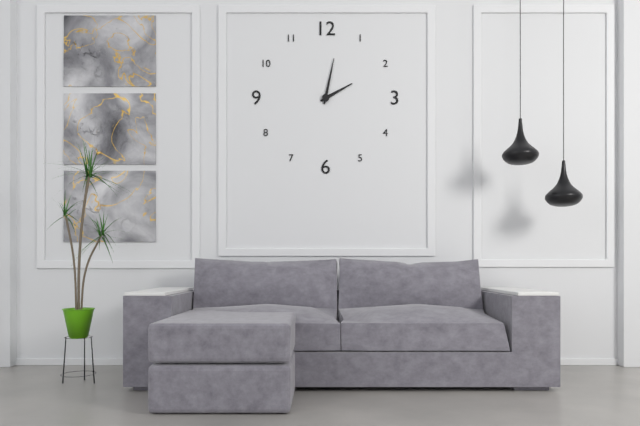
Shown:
2:02
